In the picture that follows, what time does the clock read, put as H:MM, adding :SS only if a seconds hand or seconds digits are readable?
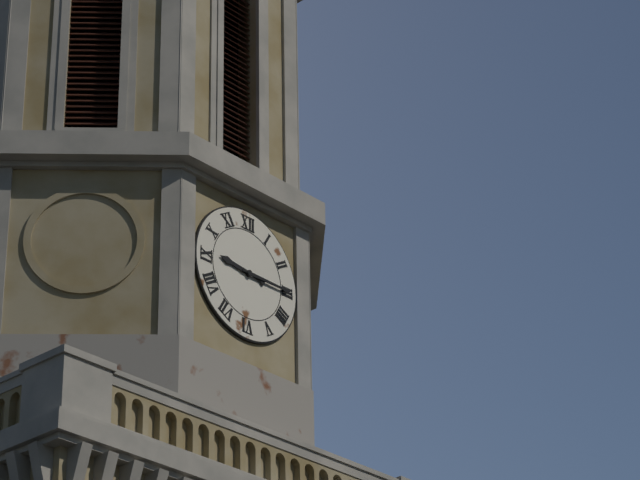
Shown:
9:15
